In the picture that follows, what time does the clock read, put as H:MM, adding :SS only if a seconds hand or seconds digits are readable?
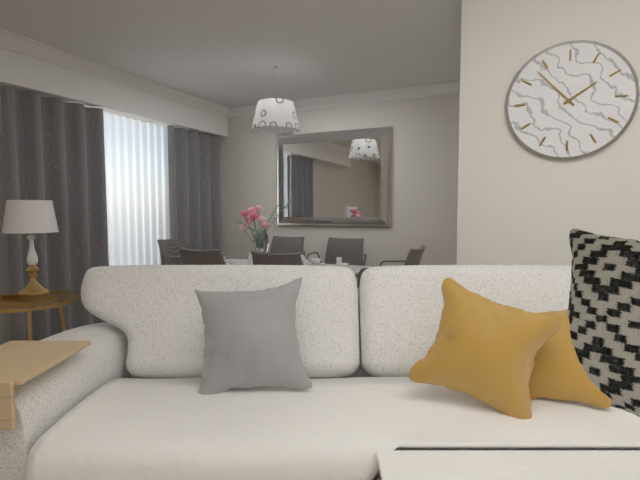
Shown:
1:53
